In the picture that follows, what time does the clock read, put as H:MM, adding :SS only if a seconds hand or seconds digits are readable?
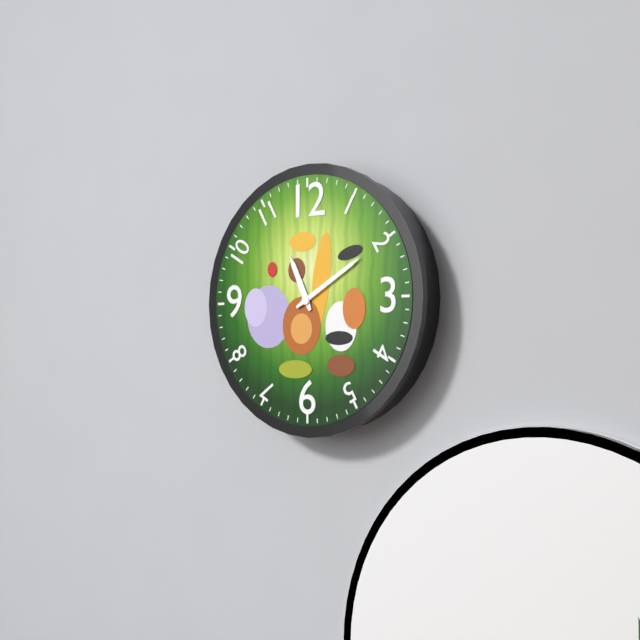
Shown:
11:10
